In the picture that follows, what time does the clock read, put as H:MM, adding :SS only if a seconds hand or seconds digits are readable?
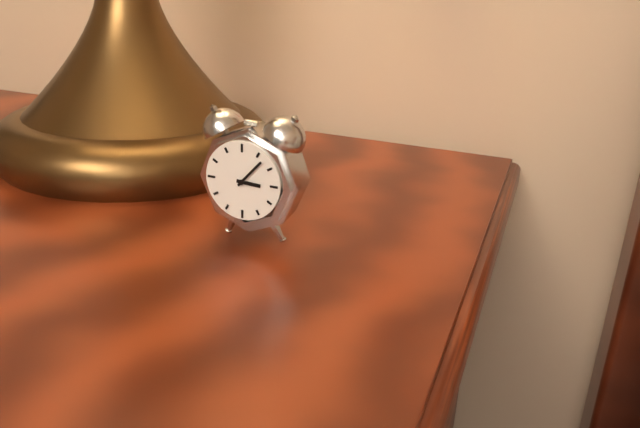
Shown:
3:07
